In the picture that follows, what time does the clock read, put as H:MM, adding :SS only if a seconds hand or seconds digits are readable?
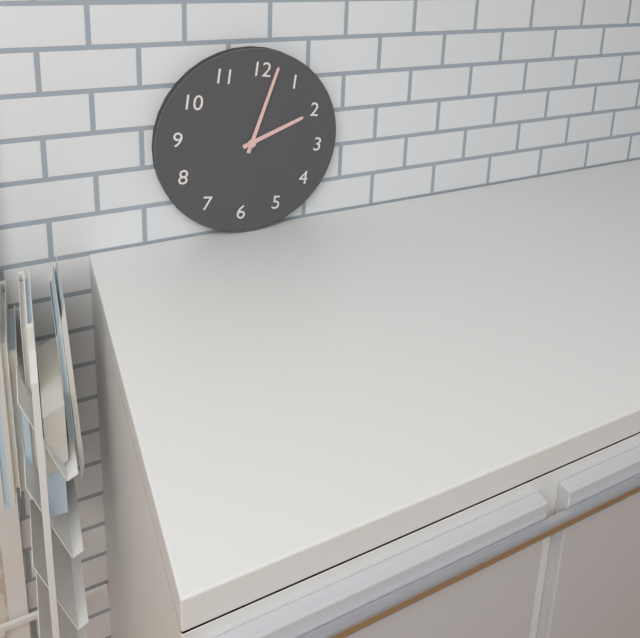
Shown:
2:02
